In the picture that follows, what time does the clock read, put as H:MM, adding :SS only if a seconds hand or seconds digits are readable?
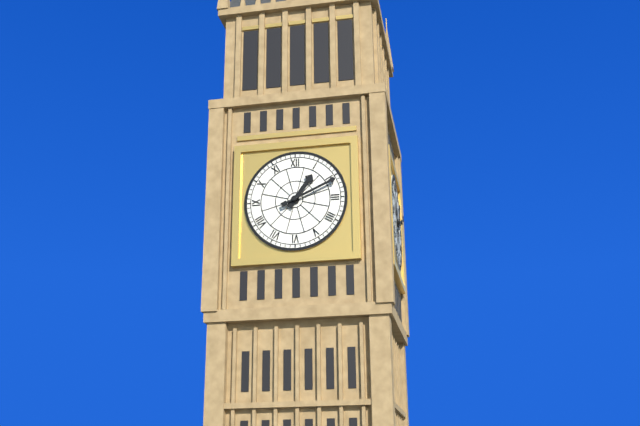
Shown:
1:11
